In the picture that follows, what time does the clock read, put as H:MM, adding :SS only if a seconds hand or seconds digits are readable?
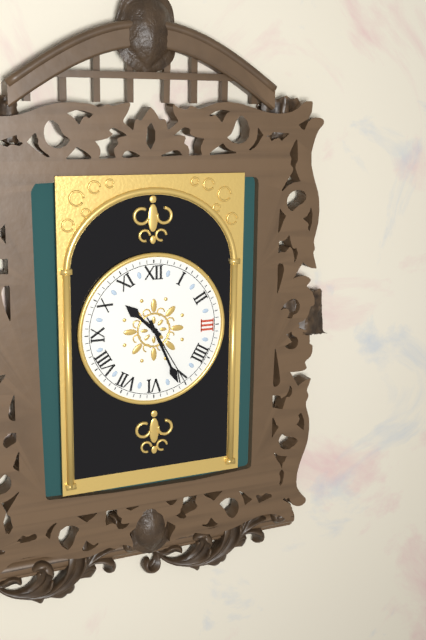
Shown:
10:26:25
